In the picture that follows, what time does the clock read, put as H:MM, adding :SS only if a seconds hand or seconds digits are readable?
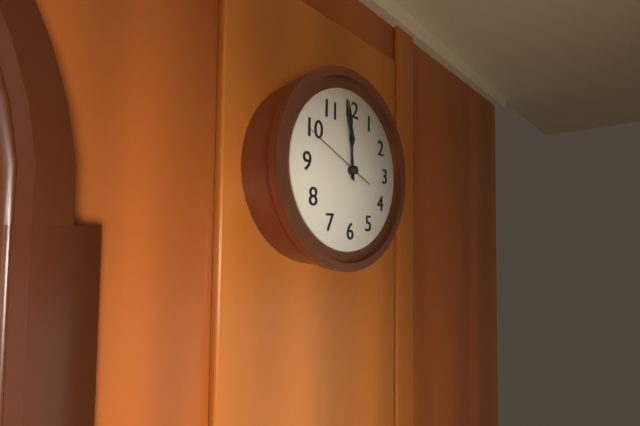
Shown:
11:59:49
